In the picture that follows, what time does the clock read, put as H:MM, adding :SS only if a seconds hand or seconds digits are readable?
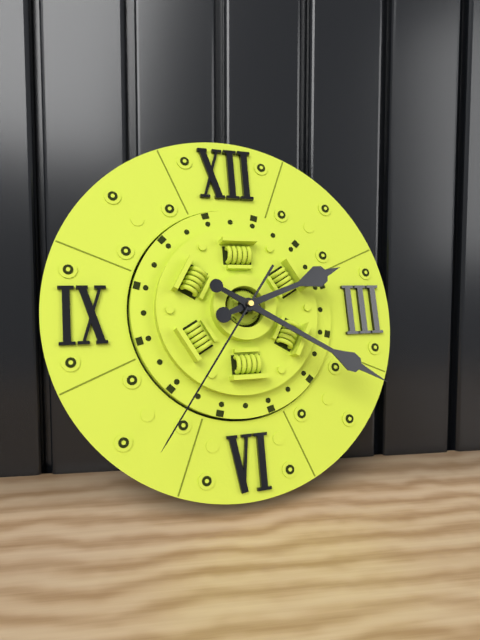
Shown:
2:20:36
